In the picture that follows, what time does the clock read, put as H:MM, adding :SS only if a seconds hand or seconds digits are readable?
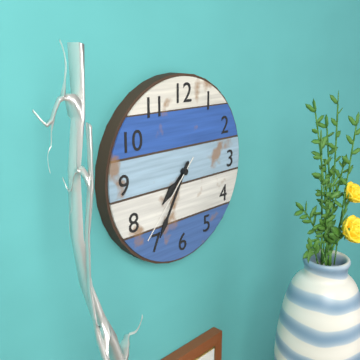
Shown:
7:35:37
